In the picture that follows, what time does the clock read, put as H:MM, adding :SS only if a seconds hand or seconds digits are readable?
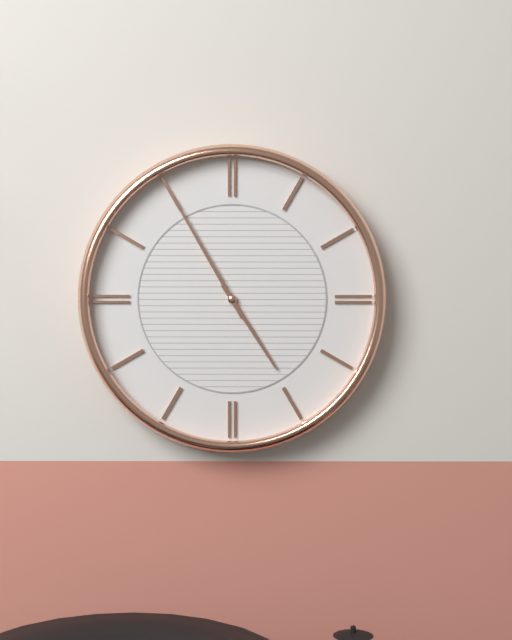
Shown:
4:55
